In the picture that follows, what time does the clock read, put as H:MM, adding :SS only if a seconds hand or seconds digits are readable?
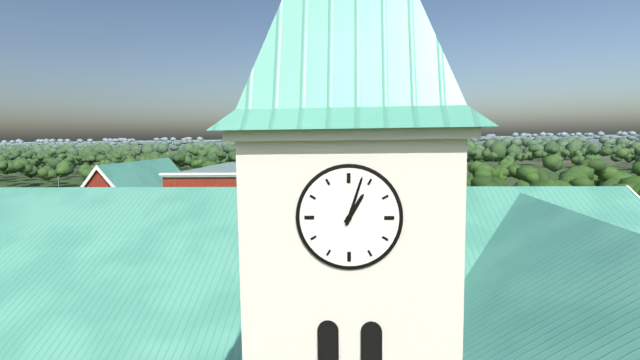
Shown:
1:03
